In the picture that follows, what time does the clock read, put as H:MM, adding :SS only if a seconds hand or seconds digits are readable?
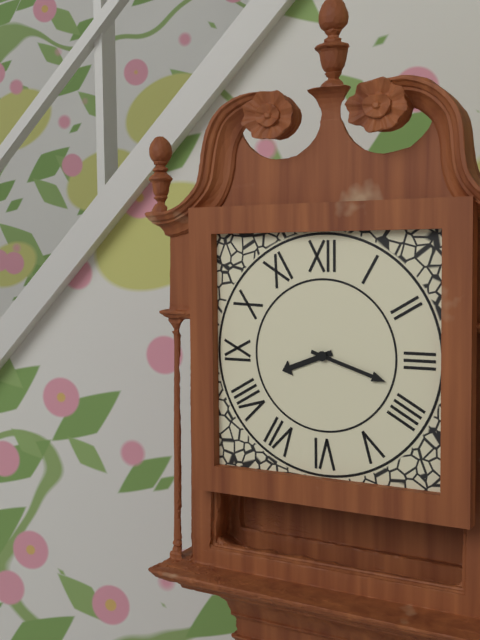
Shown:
8:18
